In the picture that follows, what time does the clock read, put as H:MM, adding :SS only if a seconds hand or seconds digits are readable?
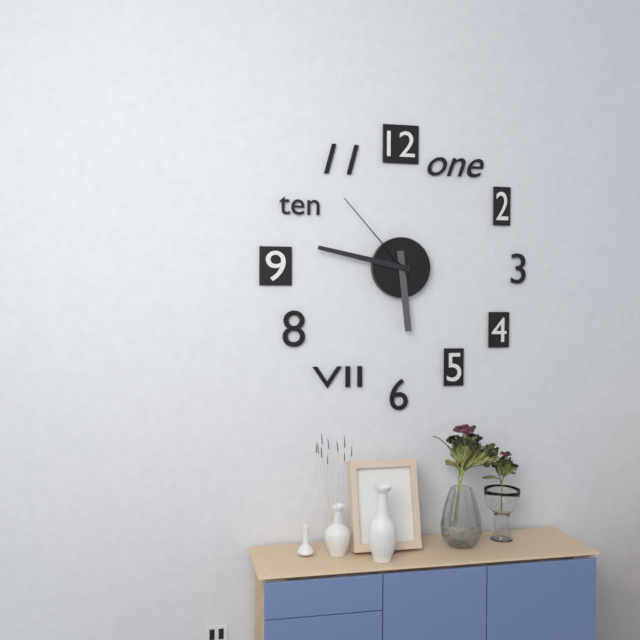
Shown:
5:47:53
